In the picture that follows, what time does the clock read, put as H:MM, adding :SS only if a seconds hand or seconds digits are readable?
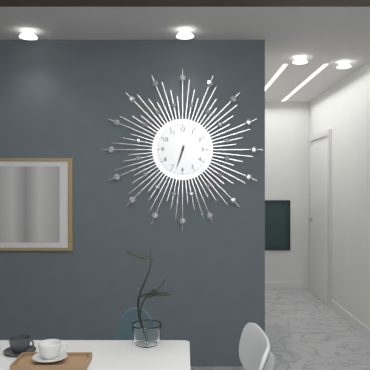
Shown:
6:33
